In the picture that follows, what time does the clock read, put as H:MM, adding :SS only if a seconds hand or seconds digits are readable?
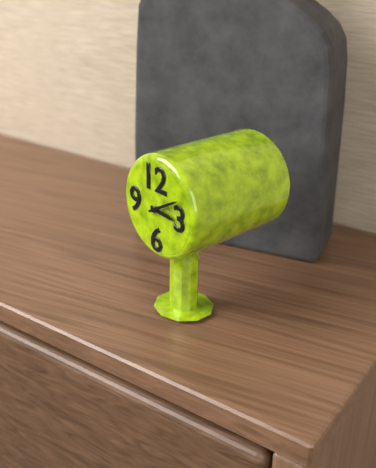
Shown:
3:10
